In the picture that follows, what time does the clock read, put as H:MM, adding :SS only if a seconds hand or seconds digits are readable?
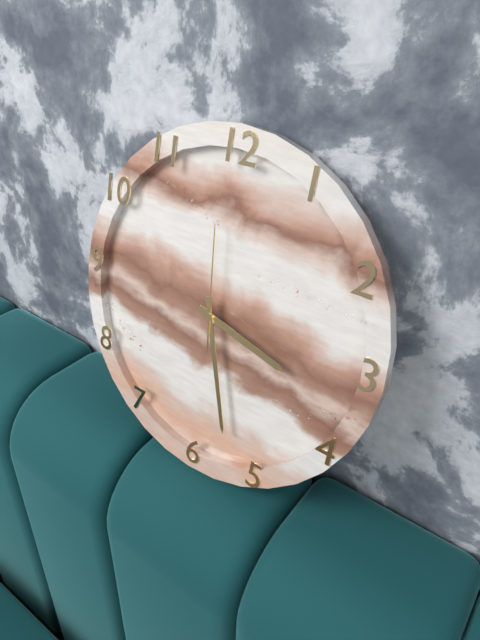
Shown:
3:27:59
